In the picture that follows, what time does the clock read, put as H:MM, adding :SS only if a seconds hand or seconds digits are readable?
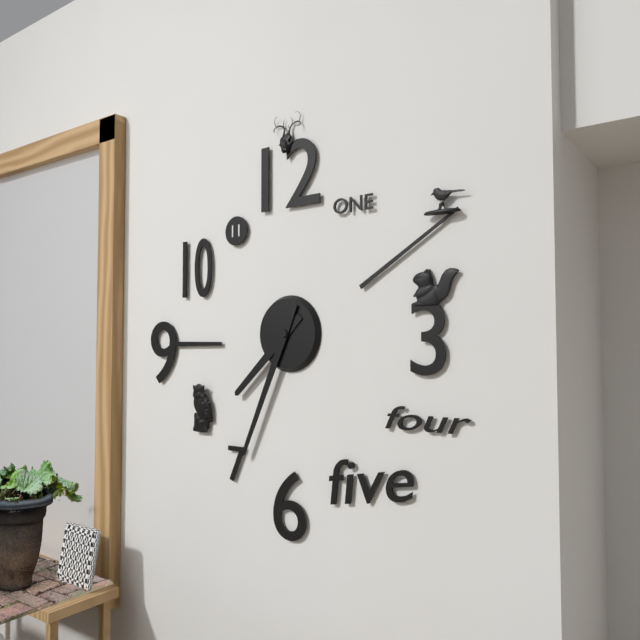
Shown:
7:34
